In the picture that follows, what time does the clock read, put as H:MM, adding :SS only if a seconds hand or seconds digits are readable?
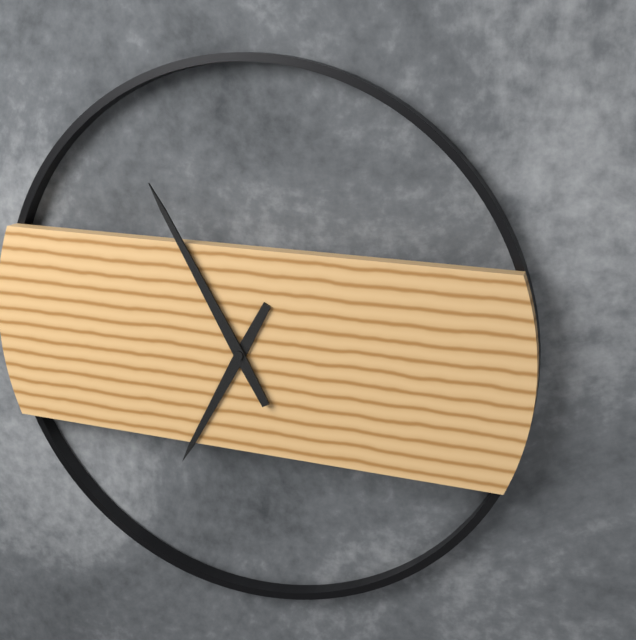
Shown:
6:55
